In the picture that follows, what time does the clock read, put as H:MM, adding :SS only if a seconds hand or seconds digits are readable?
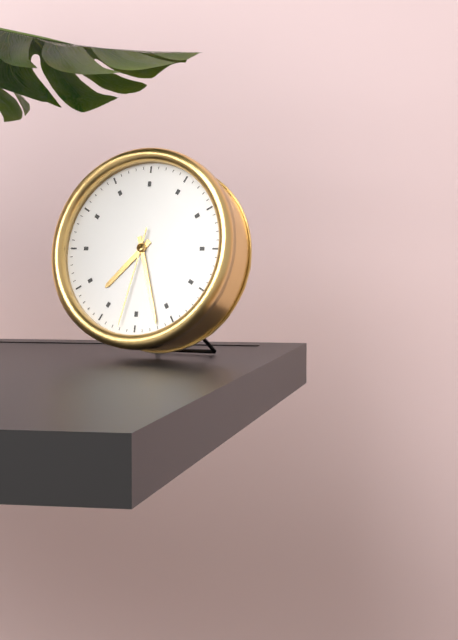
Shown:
7:27:32
